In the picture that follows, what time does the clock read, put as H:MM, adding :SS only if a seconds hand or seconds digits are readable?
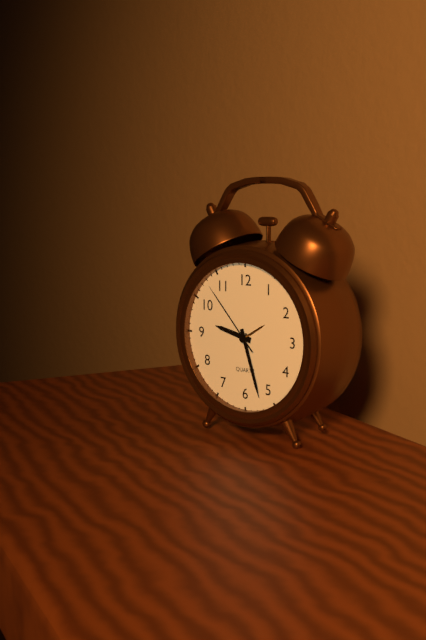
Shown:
9:27:53
